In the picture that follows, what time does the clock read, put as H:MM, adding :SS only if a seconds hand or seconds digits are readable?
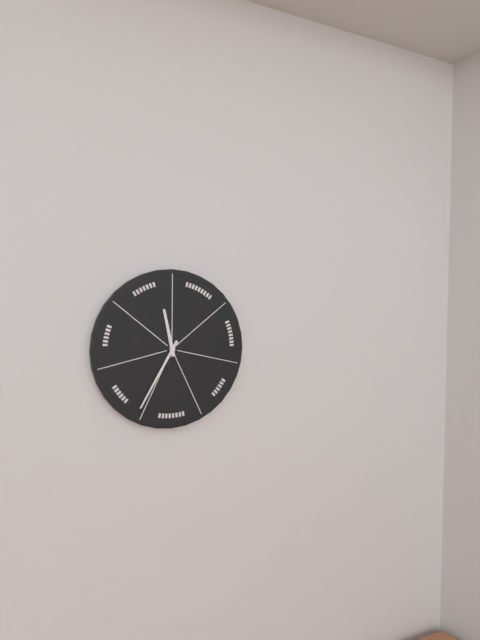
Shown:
11:35
